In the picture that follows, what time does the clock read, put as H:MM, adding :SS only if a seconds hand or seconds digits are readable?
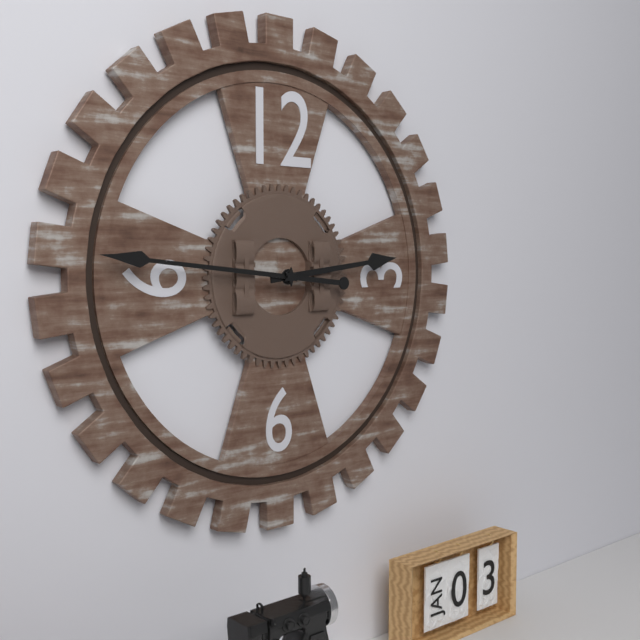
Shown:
2:46
